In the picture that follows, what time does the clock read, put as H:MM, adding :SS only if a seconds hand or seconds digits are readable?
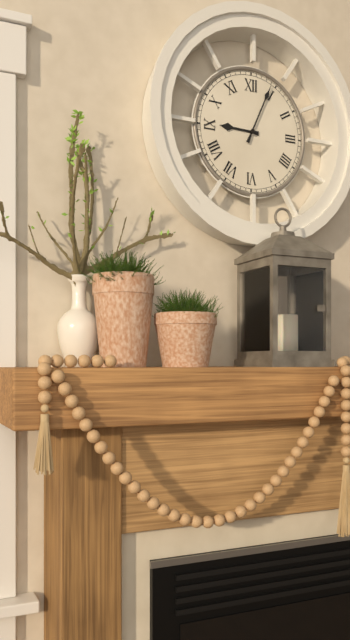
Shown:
9:04
